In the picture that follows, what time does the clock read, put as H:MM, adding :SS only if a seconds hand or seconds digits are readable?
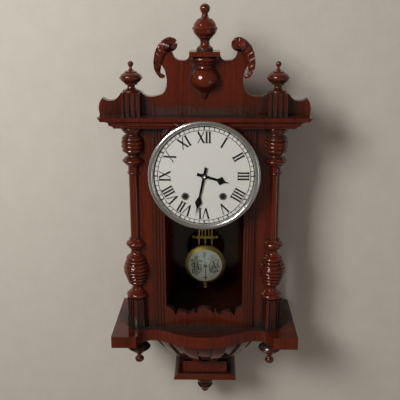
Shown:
3:32
